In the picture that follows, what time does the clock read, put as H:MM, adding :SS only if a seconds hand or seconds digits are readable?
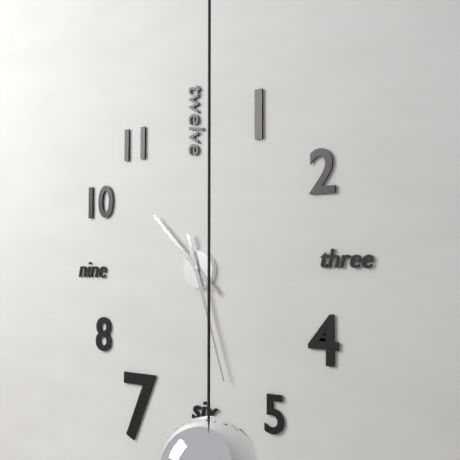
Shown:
10:27
